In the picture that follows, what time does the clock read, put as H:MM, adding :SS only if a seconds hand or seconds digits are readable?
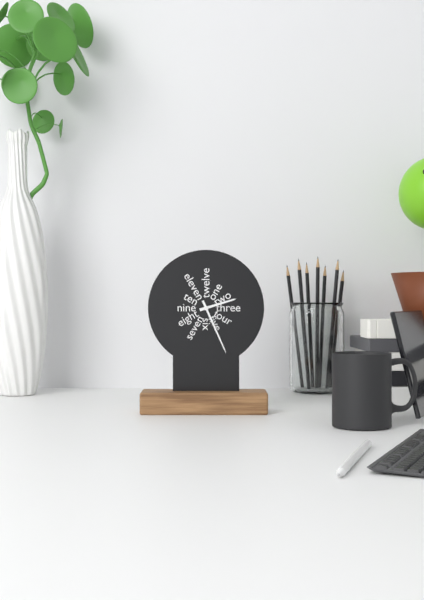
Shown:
2:26
